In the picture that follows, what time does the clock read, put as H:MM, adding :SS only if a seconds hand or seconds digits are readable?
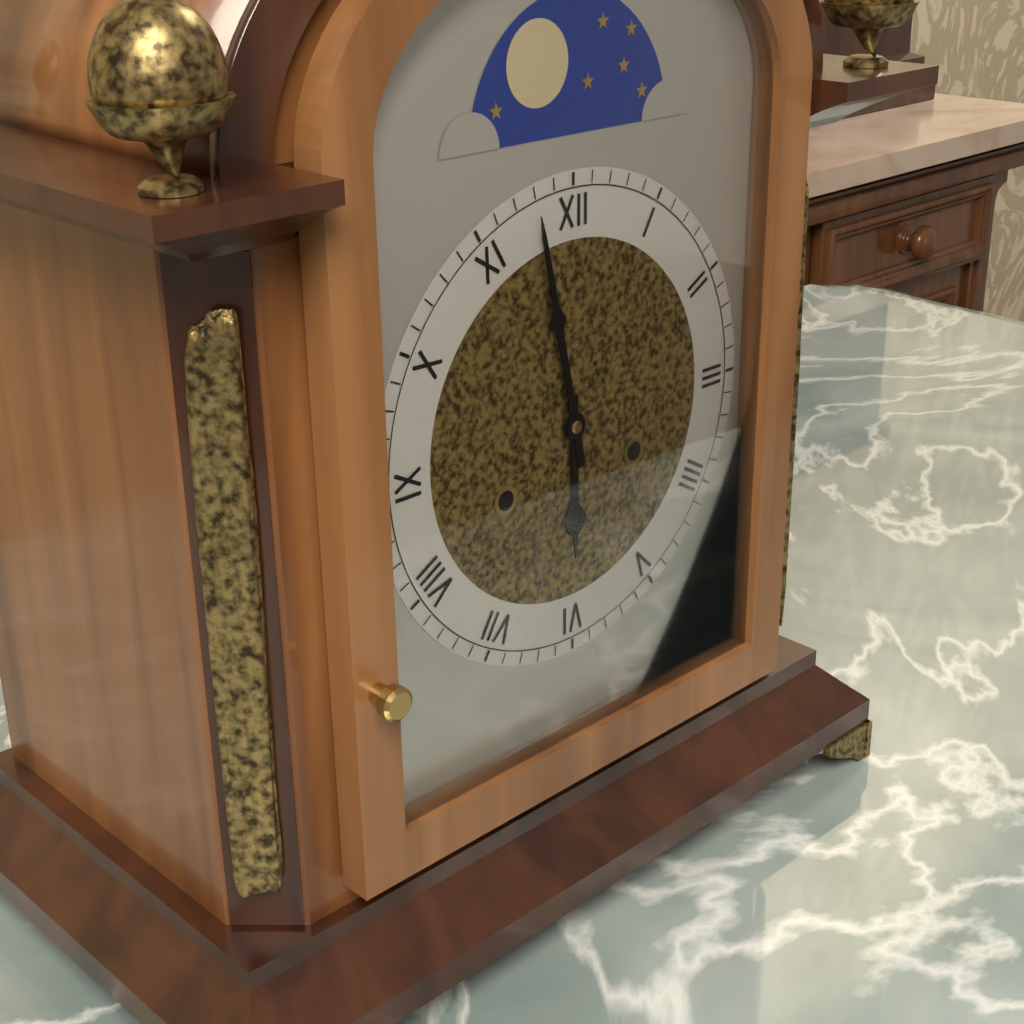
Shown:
5:58
